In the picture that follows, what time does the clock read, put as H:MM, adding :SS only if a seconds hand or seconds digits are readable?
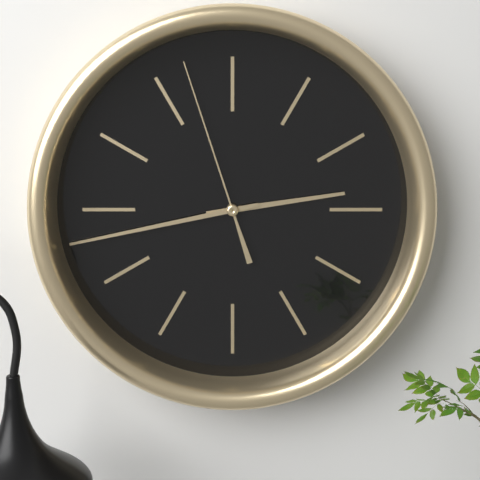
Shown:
2:43:57
